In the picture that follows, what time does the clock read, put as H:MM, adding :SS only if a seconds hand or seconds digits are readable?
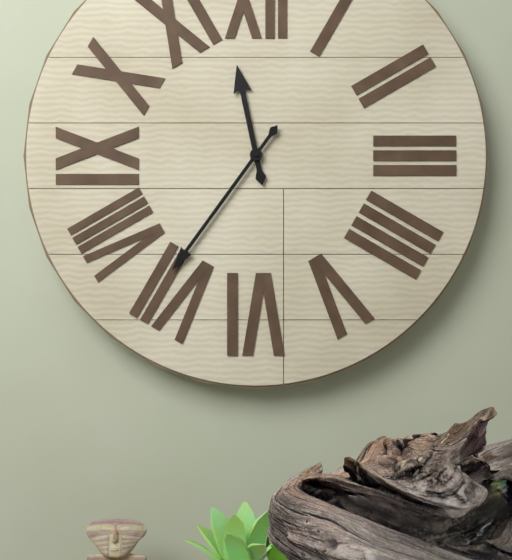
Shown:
11:36
